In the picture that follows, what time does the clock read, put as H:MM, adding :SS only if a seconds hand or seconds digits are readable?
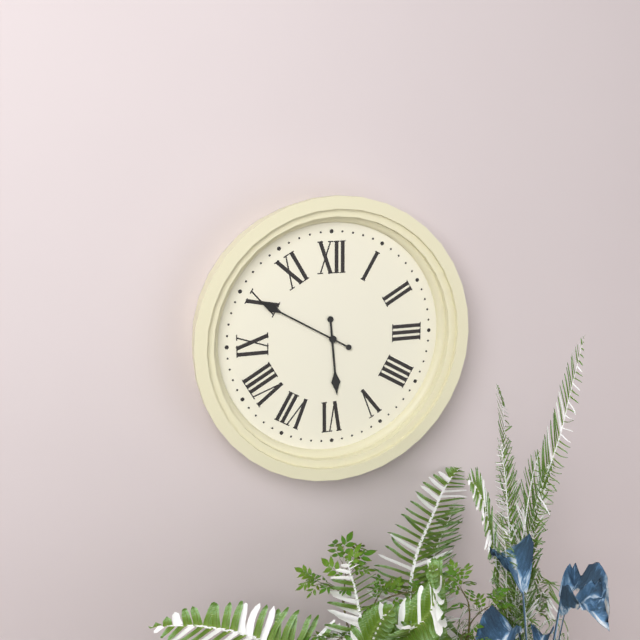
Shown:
5:50
